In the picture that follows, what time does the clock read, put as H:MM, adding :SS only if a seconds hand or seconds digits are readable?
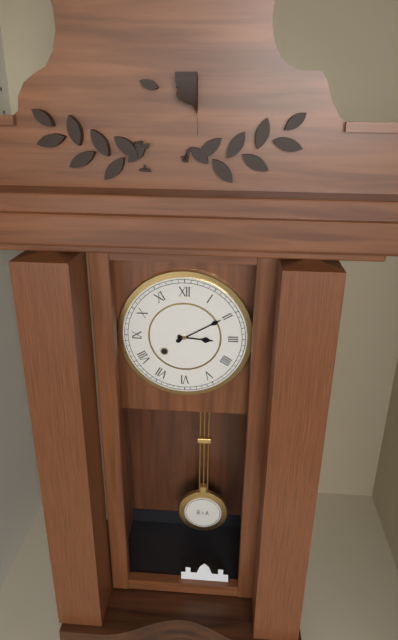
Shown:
3:10
